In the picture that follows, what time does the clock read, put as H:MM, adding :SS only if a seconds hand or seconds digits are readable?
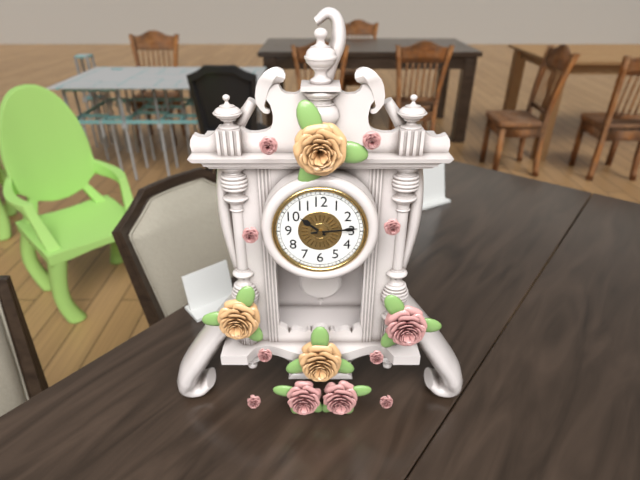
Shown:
10:14
